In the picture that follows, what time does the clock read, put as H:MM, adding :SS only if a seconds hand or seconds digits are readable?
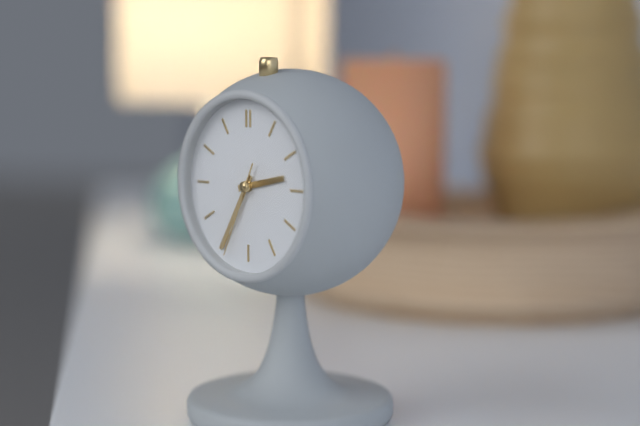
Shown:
2:35:34
